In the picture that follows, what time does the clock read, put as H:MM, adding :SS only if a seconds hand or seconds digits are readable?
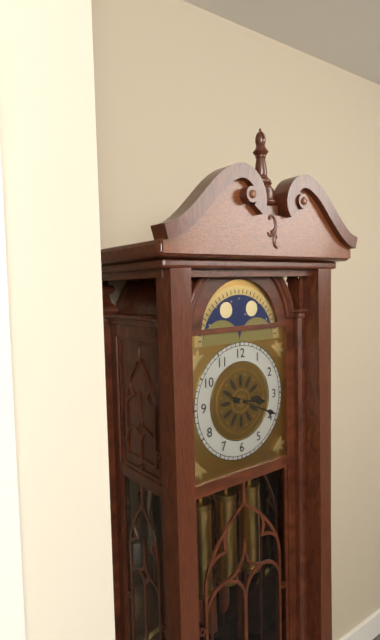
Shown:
3:19
